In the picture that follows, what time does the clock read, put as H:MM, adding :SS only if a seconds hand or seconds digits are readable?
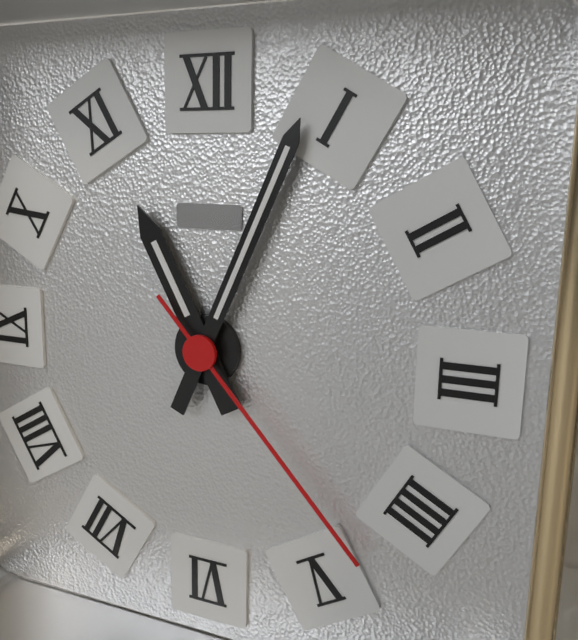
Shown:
11:04:23
